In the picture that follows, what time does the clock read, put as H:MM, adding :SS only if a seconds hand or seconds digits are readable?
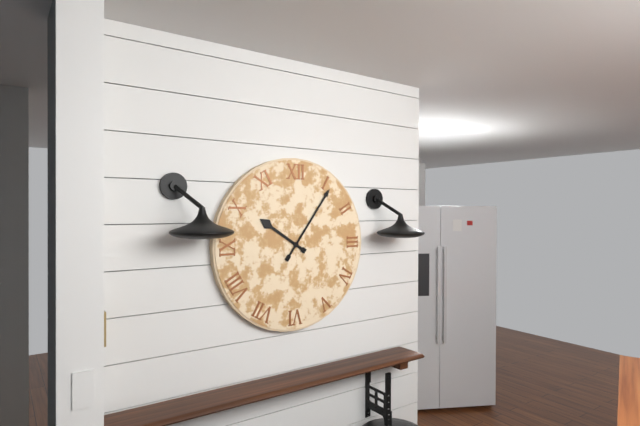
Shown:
10:06
